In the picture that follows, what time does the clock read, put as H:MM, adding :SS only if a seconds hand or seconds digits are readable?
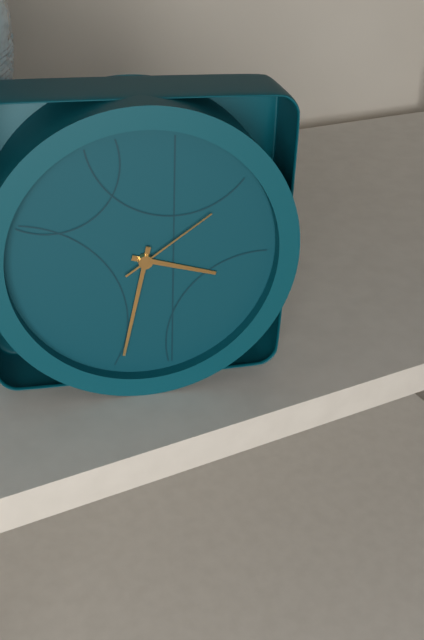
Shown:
3:32:09
